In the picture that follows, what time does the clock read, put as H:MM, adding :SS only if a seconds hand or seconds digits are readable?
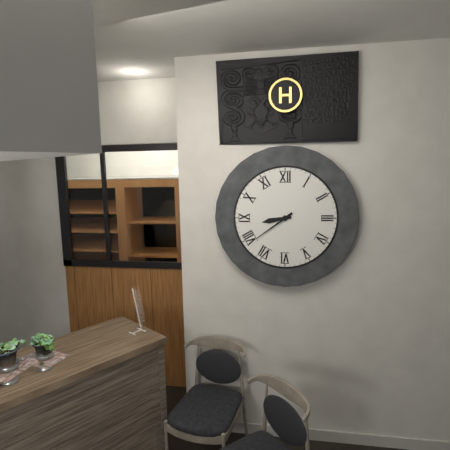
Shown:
8:39
